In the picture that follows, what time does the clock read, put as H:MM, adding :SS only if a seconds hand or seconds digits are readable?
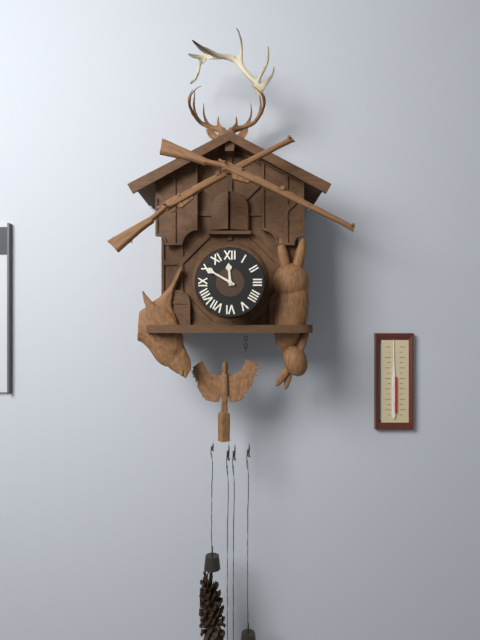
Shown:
11:50
